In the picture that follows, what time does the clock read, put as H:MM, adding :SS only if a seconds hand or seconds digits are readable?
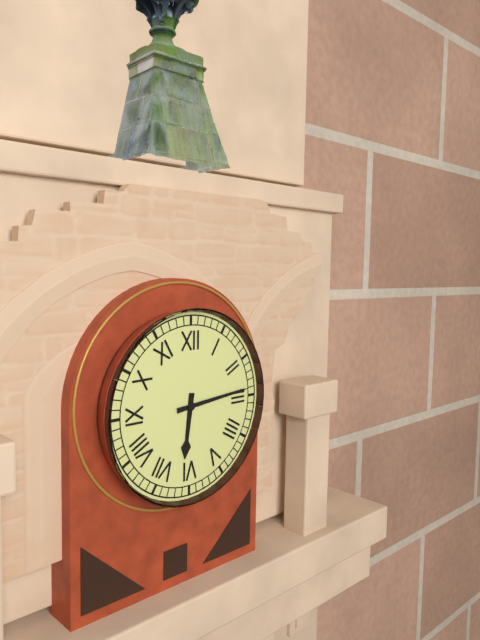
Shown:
6:14
